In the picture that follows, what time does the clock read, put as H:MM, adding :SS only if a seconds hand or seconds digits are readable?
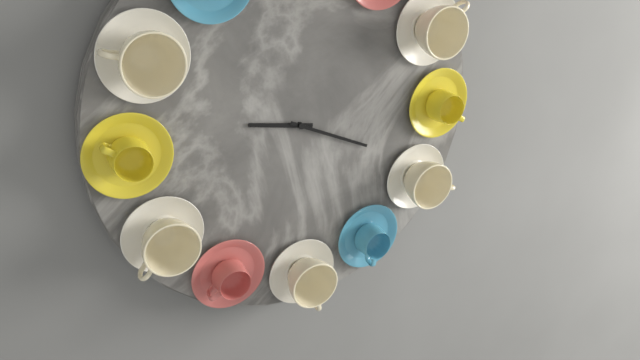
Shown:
9:19
